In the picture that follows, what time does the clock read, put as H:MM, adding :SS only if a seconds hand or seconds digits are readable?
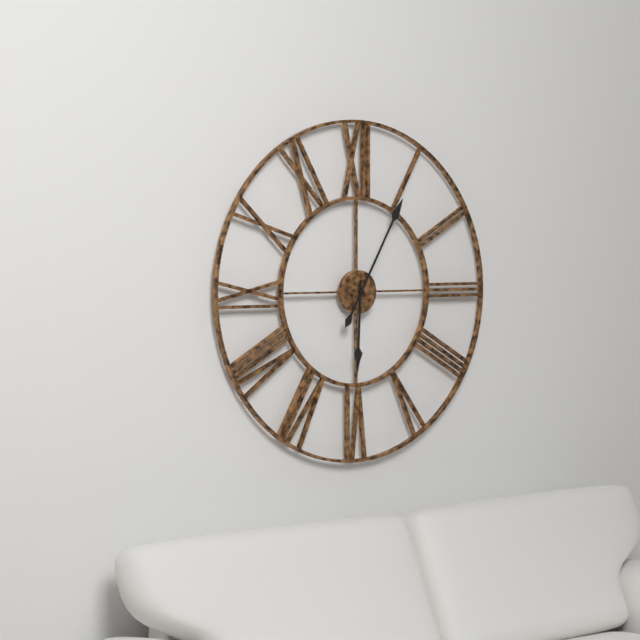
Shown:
6:05
